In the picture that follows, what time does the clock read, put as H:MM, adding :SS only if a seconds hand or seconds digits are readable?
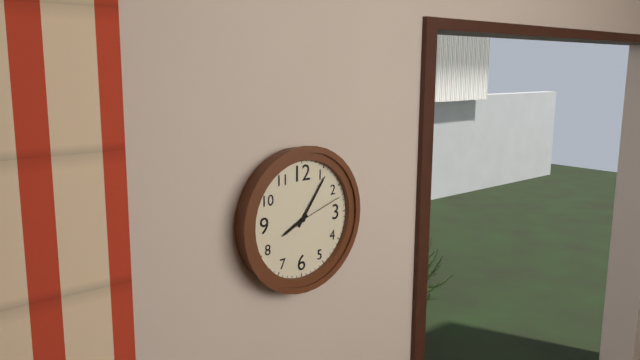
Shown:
8:06:12
